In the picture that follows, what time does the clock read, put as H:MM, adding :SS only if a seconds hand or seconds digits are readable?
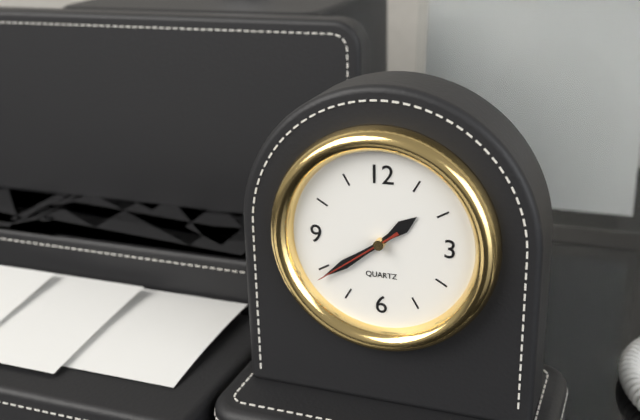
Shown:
1:39:39
